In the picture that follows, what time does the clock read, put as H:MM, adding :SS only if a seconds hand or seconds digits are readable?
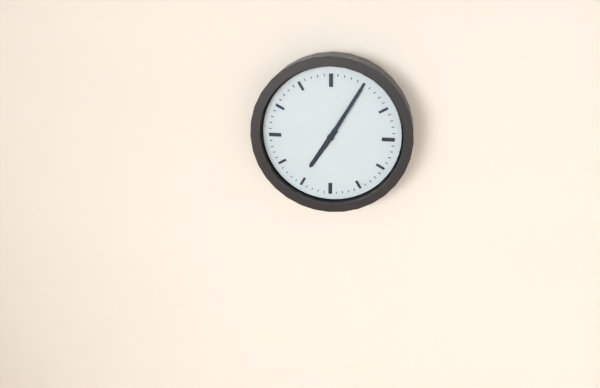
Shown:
7:05
